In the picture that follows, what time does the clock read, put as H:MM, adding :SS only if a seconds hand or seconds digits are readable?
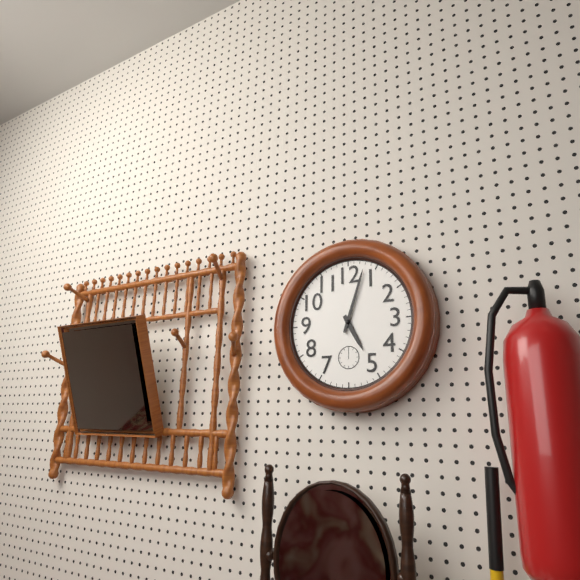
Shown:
5:03
